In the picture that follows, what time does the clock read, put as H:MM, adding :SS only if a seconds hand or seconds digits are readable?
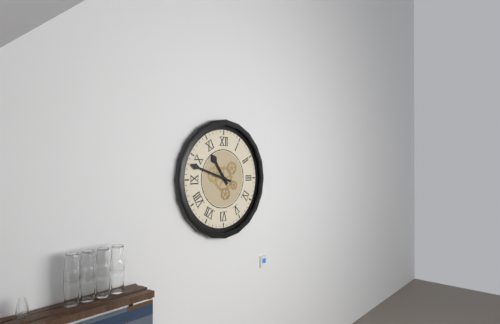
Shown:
10:48
